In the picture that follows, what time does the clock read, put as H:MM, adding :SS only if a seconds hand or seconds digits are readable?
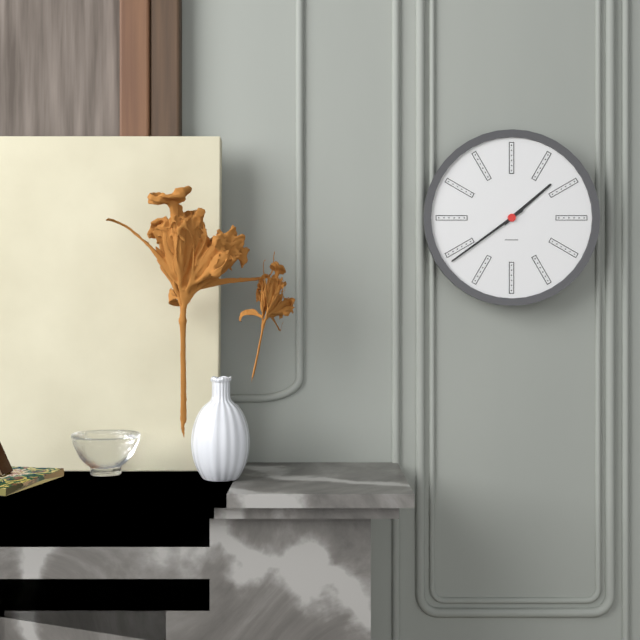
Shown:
1:39
